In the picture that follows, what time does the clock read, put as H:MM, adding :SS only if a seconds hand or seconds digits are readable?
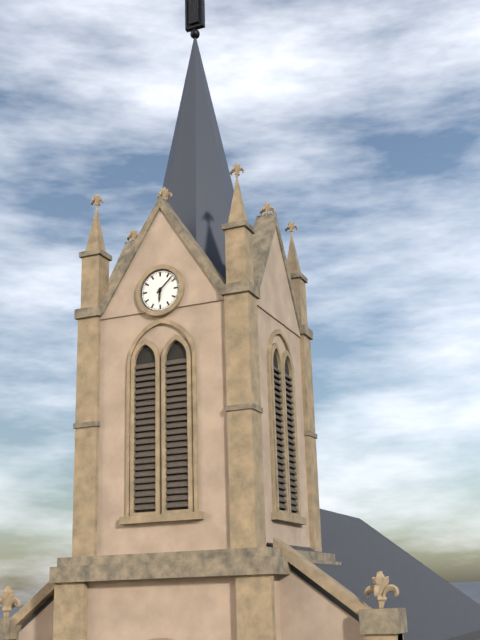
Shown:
6:08
